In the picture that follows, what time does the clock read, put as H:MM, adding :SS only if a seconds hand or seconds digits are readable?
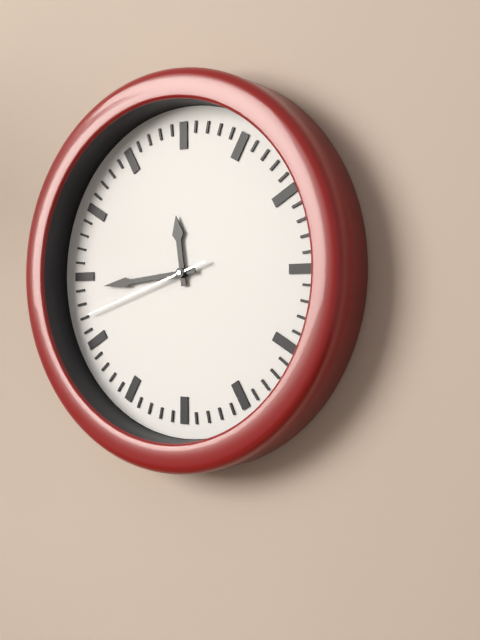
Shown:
11:44:42
